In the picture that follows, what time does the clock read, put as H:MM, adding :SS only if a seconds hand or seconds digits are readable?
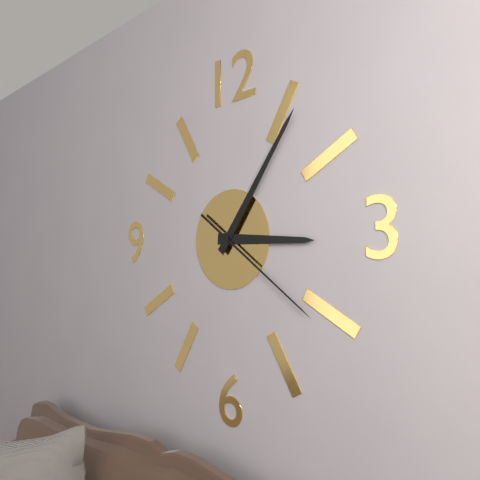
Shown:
3:06:21
